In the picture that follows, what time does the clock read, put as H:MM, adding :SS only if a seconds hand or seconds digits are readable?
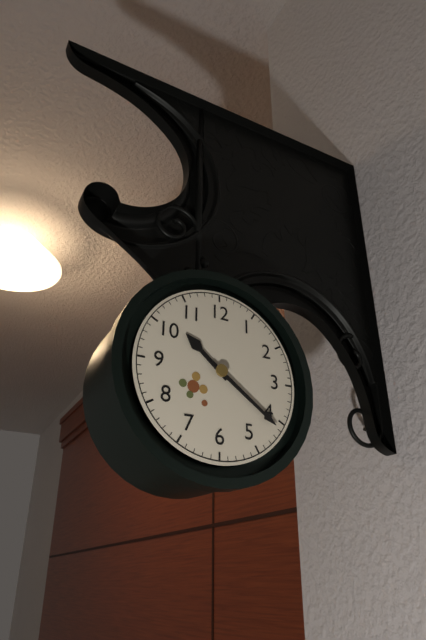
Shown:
10:21
